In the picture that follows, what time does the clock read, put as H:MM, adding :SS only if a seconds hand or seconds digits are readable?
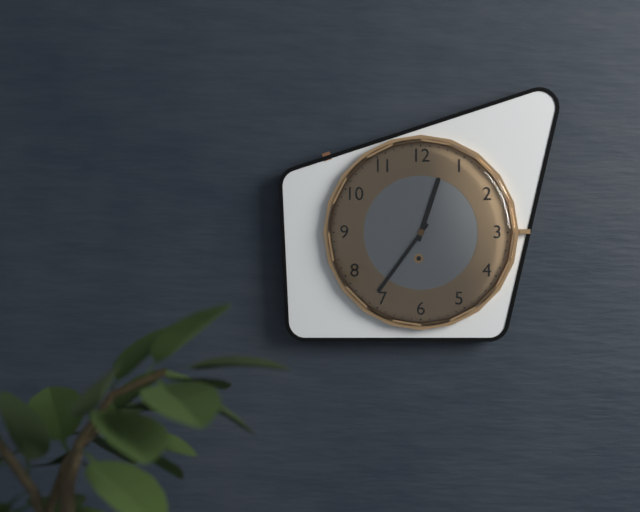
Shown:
12:36
